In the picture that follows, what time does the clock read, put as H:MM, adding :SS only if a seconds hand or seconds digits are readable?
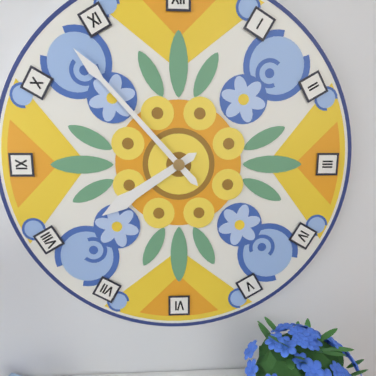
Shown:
7:53
